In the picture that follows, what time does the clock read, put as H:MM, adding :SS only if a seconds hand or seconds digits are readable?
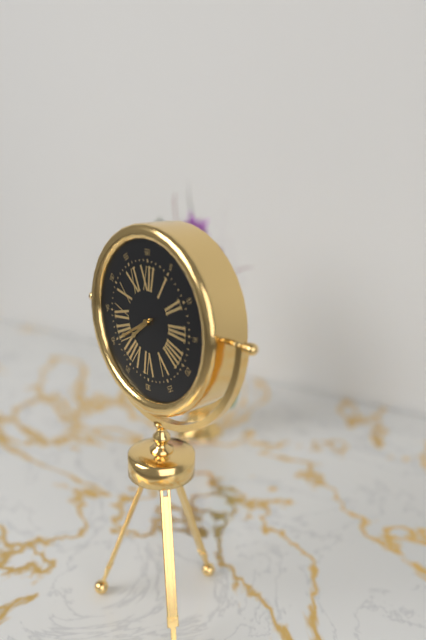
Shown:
7:40:40
